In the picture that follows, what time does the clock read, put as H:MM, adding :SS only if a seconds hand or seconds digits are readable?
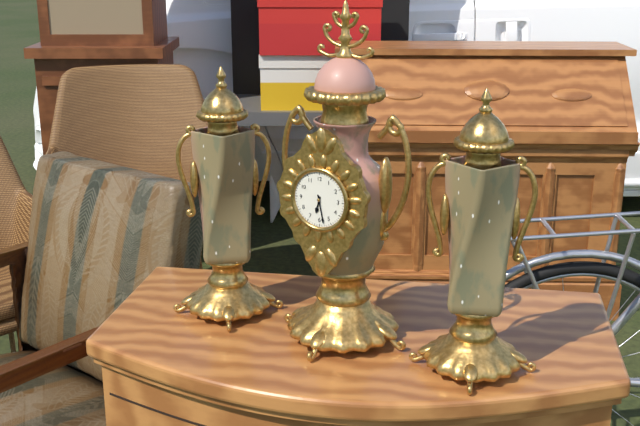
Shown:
6:28
